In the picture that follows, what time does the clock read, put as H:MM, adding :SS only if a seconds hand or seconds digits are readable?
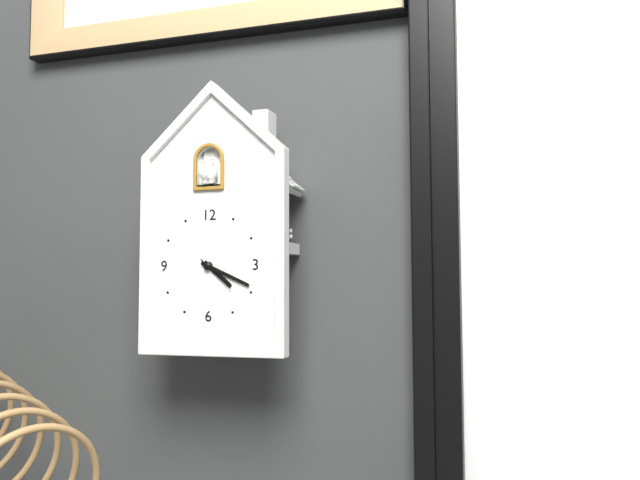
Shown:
4:19
